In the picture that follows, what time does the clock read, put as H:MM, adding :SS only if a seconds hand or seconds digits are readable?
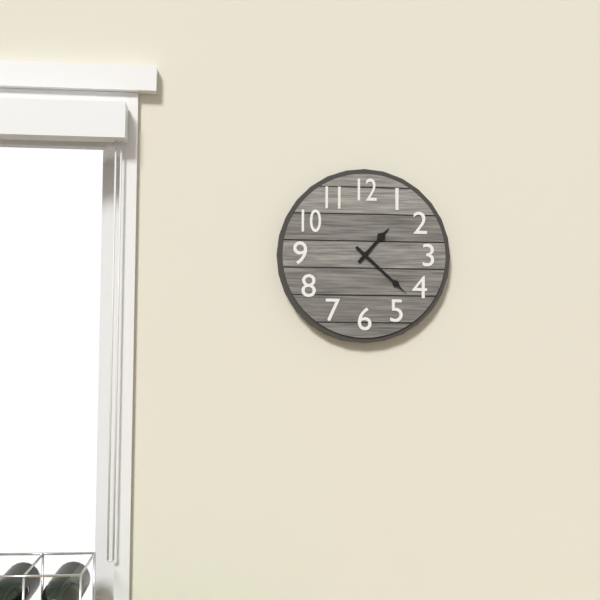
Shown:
1:22
